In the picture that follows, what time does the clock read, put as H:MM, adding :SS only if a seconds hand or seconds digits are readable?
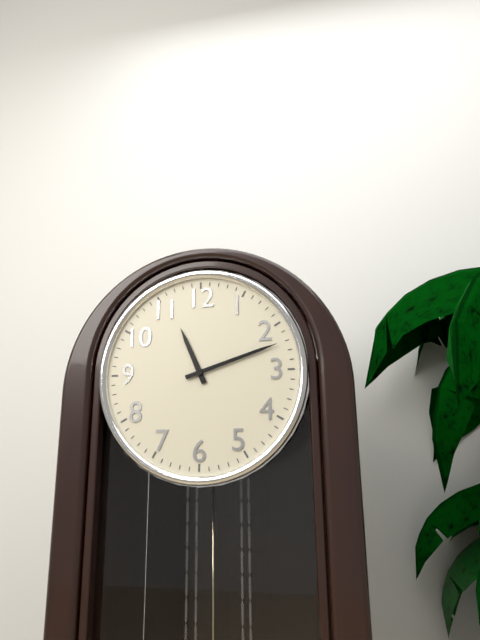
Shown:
11:12
